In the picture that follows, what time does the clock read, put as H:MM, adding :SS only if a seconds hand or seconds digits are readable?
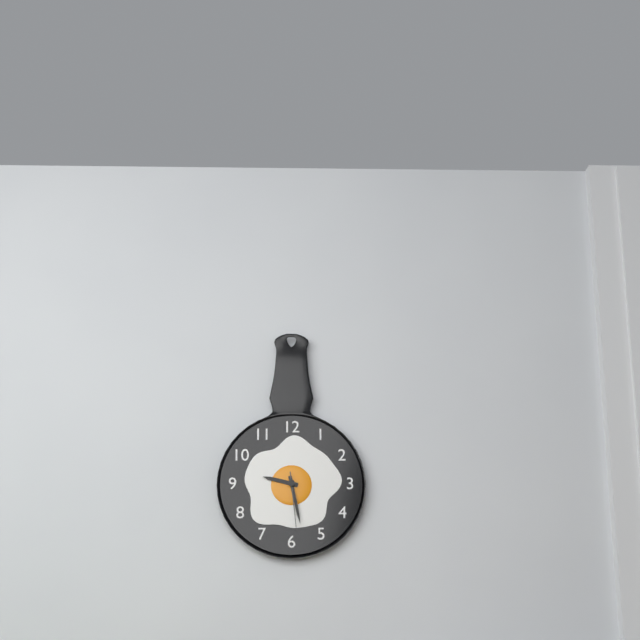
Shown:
9:28:29
